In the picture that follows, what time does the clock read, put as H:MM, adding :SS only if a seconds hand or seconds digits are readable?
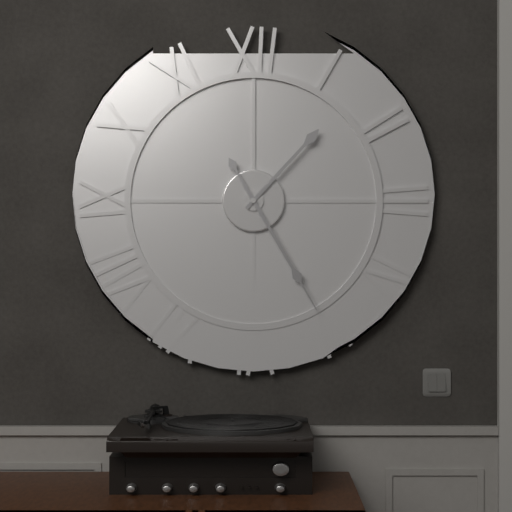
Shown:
1:25
